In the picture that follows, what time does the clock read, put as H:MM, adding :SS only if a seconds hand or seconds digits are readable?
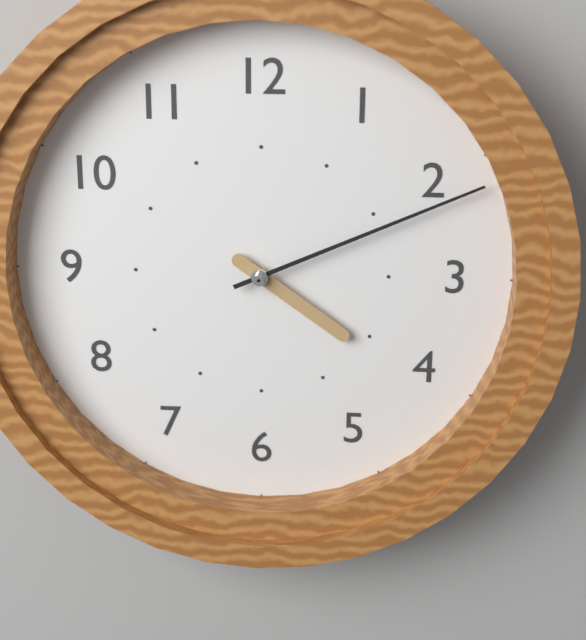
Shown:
4:11
